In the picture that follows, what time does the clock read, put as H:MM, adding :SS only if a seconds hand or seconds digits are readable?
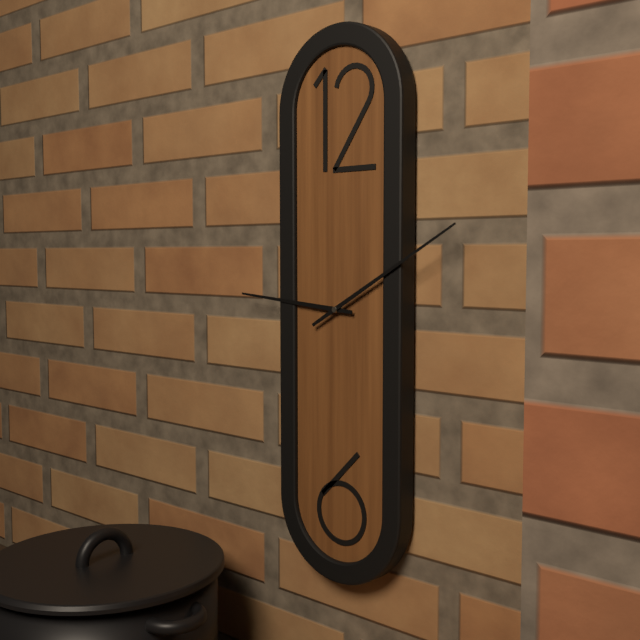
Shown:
9:10
